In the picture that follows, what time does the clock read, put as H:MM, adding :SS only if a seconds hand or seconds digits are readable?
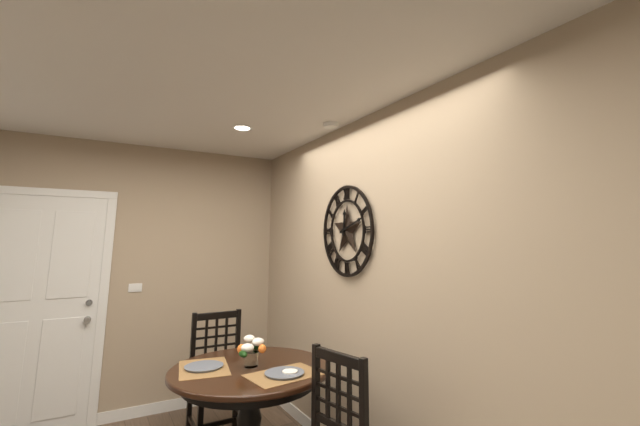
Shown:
12:12
